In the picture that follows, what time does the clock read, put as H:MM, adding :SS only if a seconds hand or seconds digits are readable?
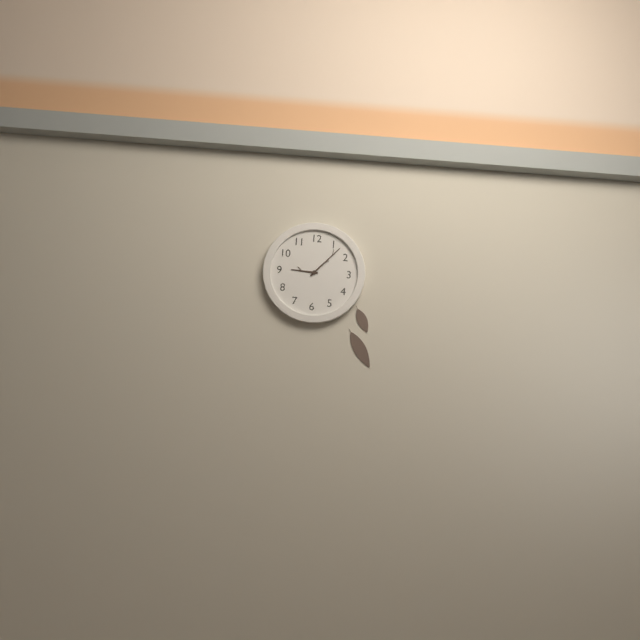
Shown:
9:07
